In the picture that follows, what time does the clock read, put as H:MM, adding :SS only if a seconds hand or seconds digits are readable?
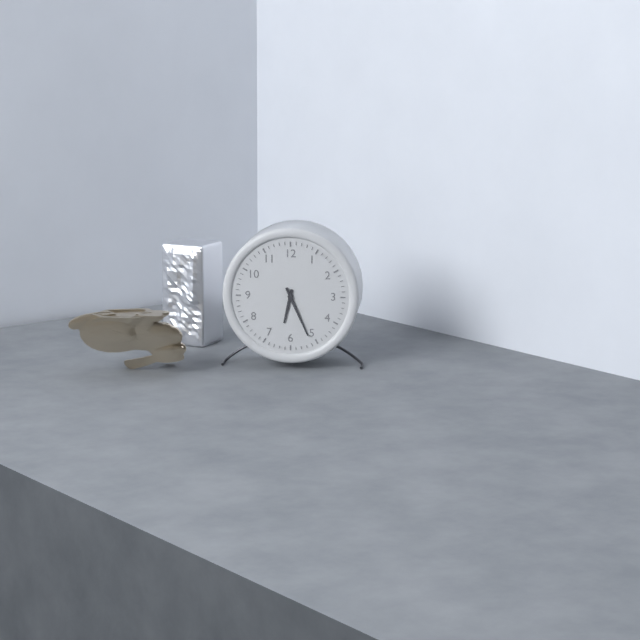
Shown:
6:26
